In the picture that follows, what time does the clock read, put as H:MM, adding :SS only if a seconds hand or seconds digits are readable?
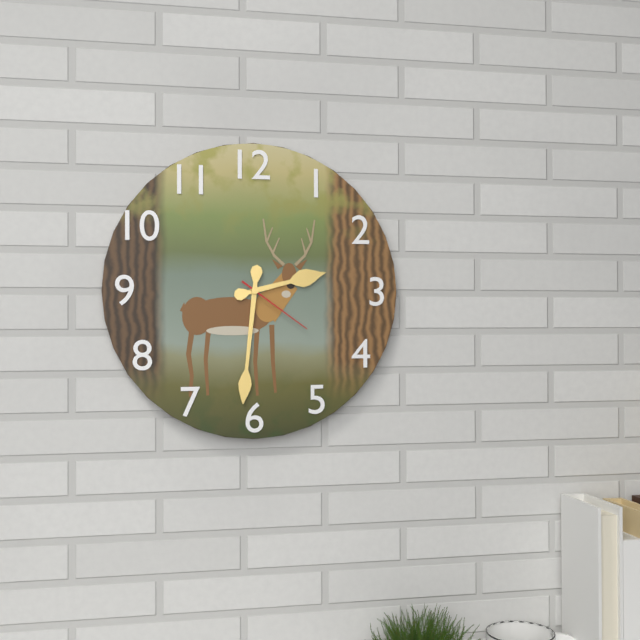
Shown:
2:31:21
